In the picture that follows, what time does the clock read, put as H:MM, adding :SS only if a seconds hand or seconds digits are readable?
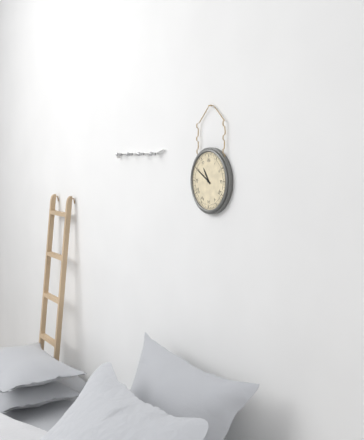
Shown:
10:50
